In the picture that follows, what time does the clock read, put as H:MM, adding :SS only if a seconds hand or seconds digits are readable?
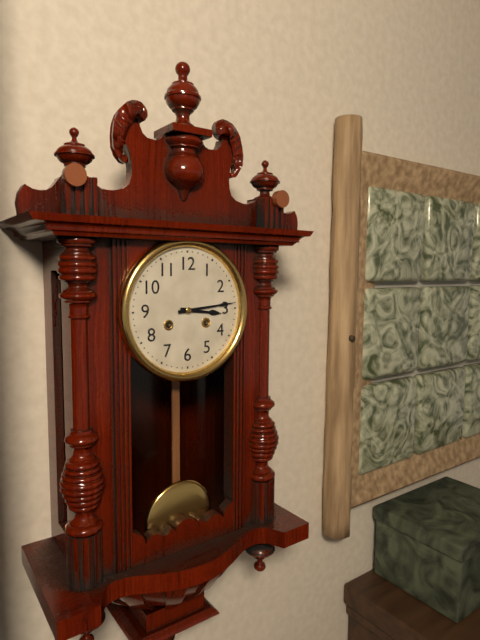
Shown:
3:14
